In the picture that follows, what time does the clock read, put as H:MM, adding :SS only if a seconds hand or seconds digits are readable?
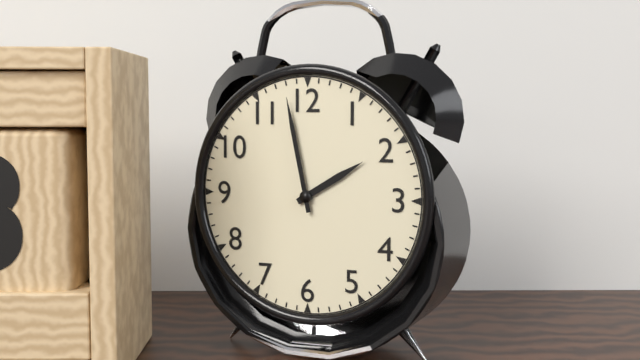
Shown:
1:58
